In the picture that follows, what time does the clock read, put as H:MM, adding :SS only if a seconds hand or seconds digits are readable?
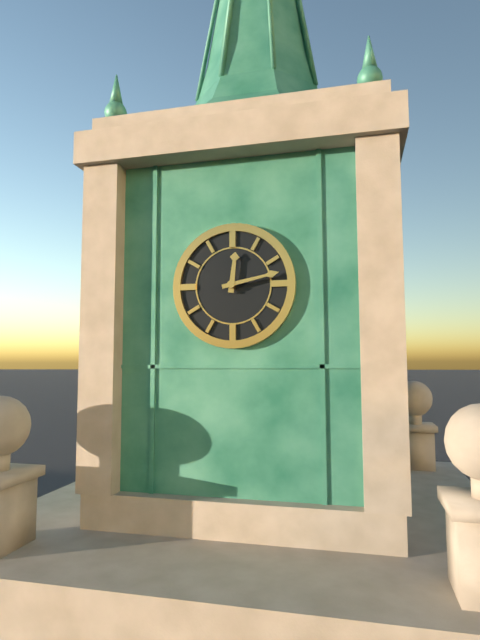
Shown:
12:13
